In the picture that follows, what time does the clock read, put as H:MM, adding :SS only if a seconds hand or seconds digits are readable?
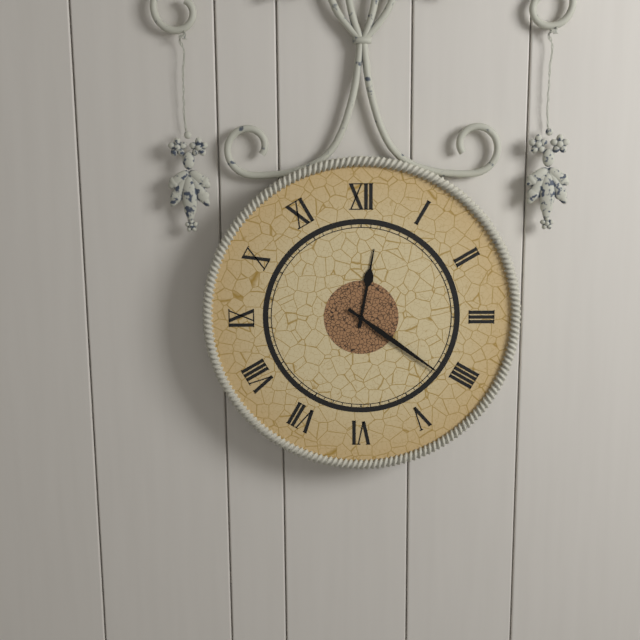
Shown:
12:21
